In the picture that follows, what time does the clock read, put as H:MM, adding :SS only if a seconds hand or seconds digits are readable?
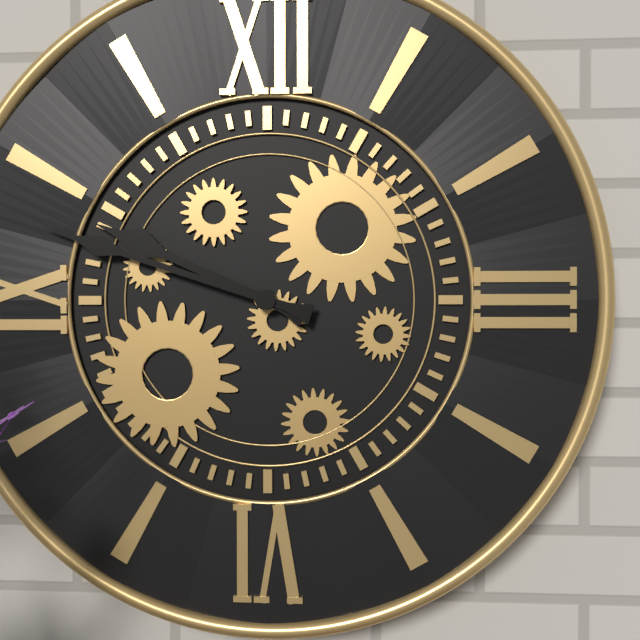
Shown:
9:48
